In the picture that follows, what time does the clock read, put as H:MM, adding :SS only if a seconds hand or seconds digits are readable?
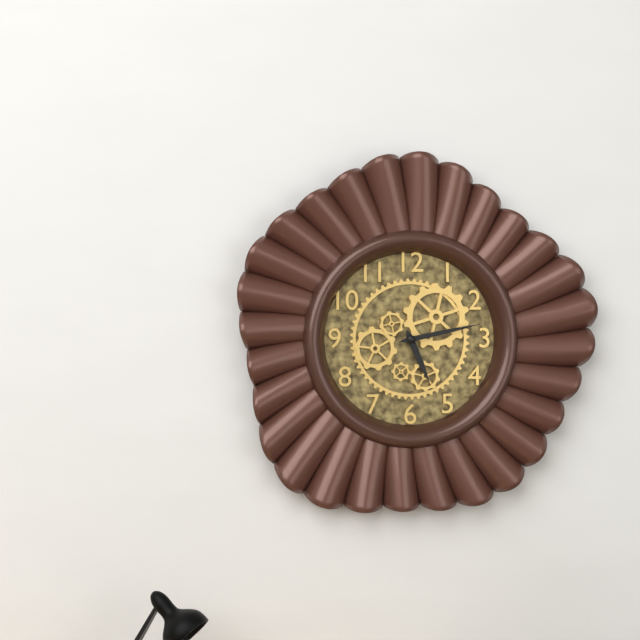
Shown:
5:13
